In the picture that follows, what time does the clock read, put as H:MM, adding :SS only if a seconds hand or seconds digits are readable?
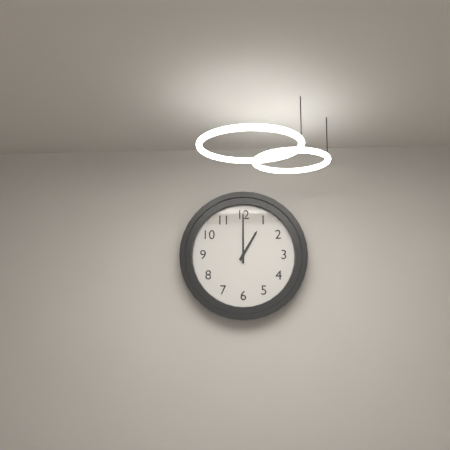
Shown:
1:00
